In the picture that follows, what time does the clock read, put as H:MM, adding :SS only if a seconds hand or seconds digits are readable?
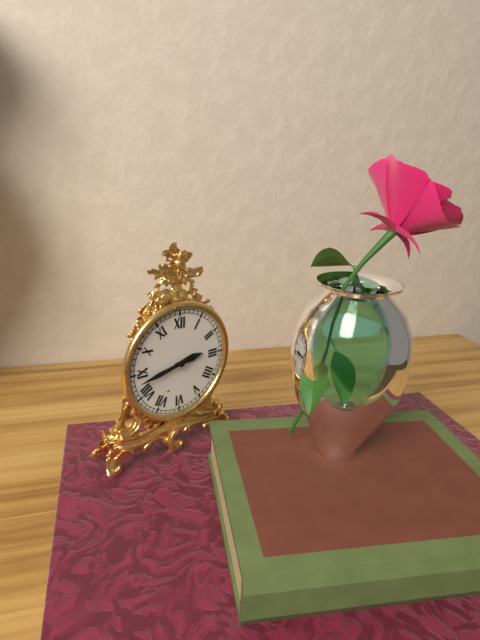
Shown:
2:43
